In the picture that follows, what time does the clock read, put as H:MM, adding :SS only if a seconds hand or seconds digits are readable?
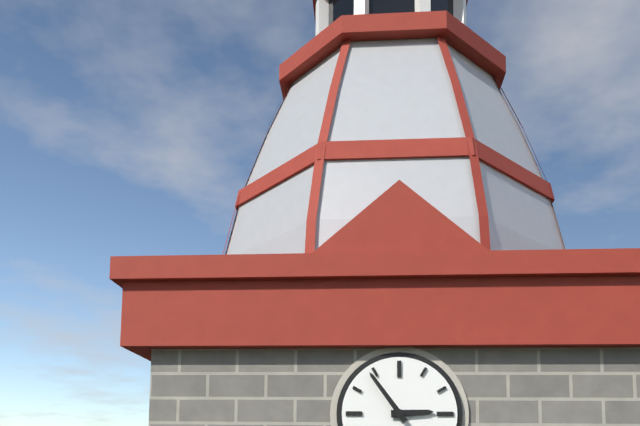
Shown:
2:54
